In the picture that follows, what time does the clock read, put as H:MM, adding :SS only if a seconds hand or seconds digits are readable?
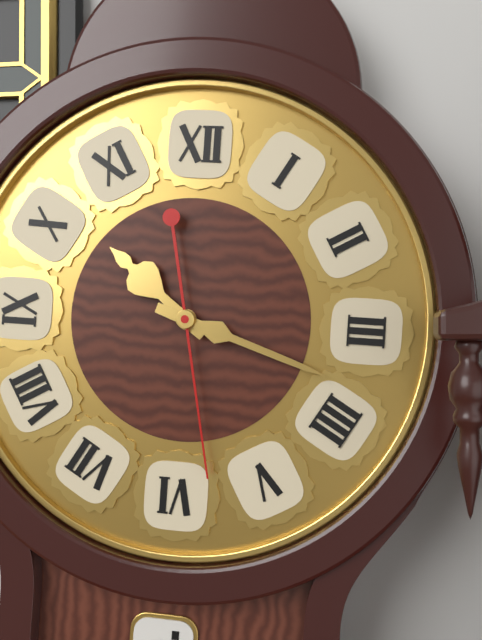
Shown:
10:18:28
